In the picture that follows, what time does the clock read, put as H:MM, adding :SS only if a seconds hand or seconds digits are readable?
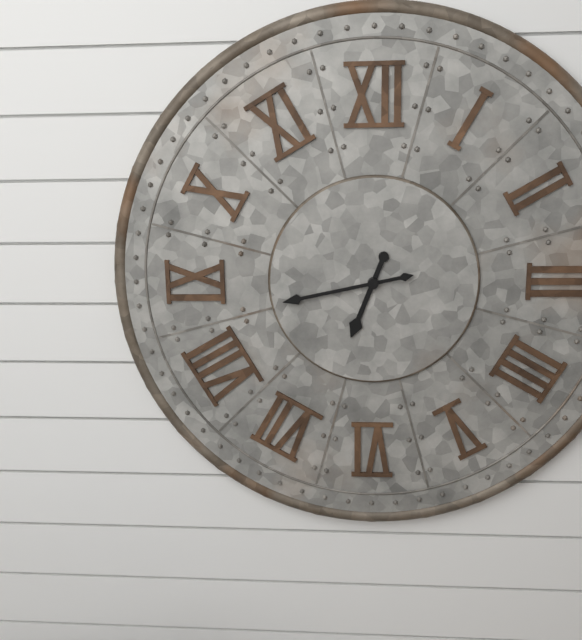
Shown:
6:43
